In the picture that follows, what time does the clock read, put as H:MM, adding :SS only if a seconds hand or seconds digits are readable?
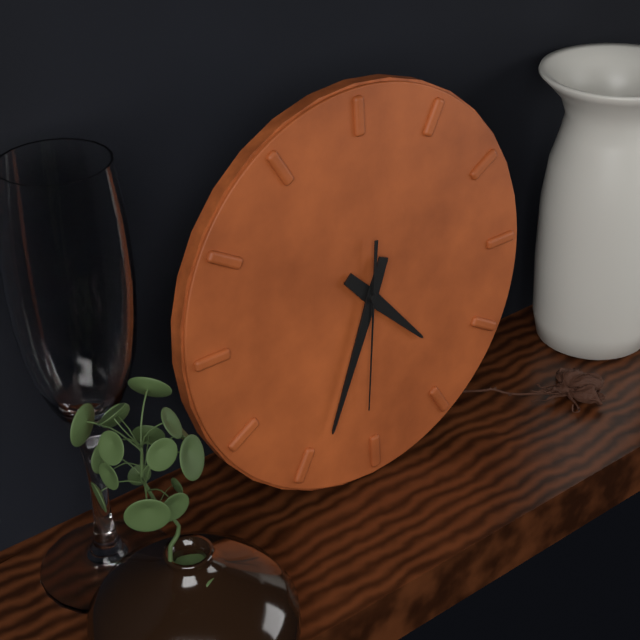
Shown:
4:34:31
